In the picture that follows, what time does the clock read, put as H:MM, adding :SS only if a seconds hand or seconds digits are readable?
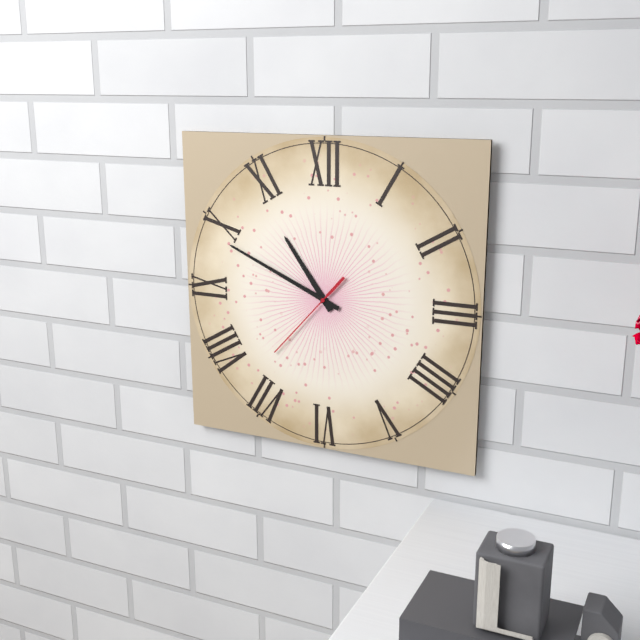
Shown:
10:49:37
